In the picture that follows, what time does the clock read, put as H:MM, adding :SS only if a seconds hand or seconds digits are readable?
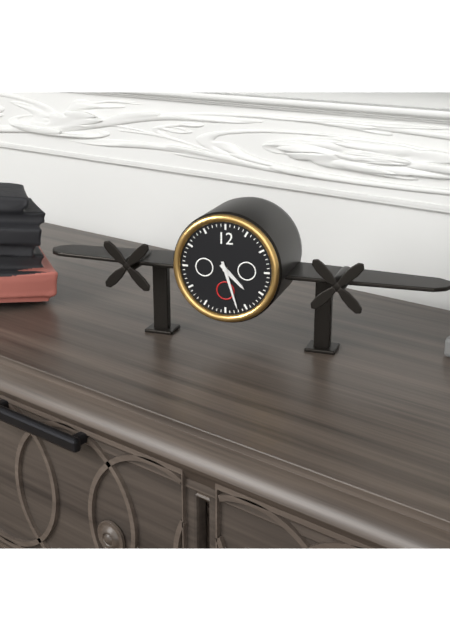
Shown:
4:27
